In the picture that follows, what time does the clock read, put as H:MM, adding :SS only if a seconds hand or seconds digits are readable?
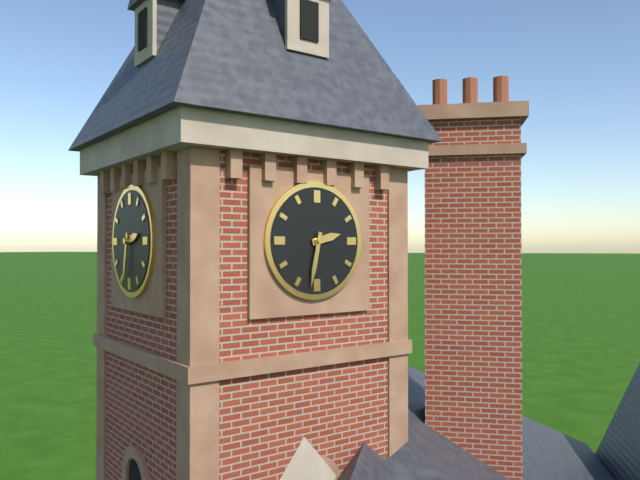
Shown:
2:32
